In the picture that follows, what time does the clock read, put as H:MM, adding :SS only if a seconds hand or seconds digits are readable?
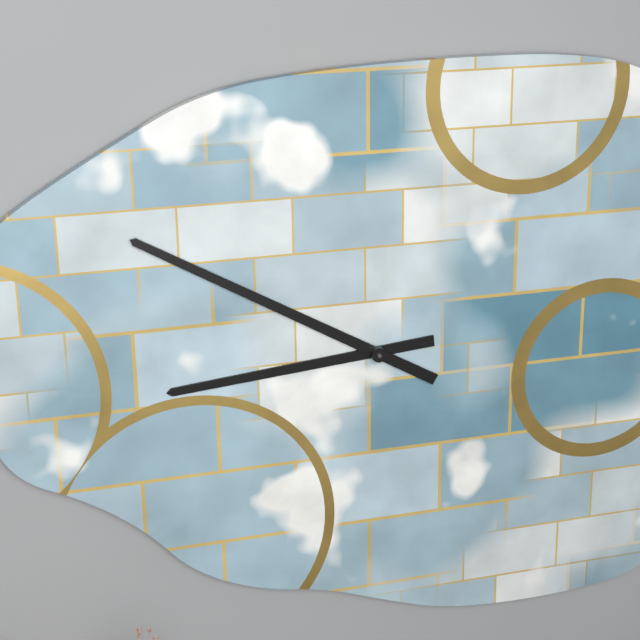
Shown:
8:50
